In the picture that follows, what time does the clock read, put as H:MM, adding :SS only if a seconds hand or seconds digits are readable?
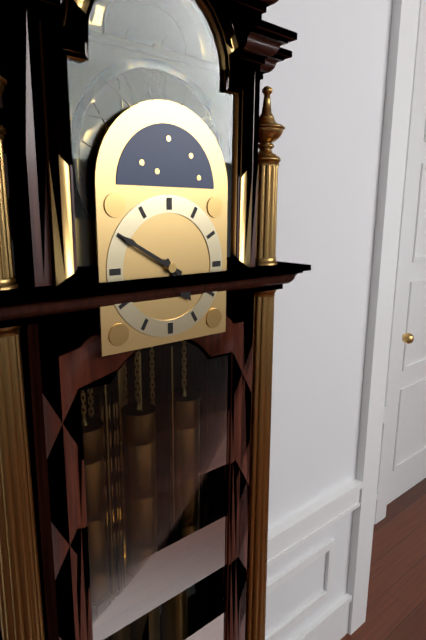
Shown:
4:50
